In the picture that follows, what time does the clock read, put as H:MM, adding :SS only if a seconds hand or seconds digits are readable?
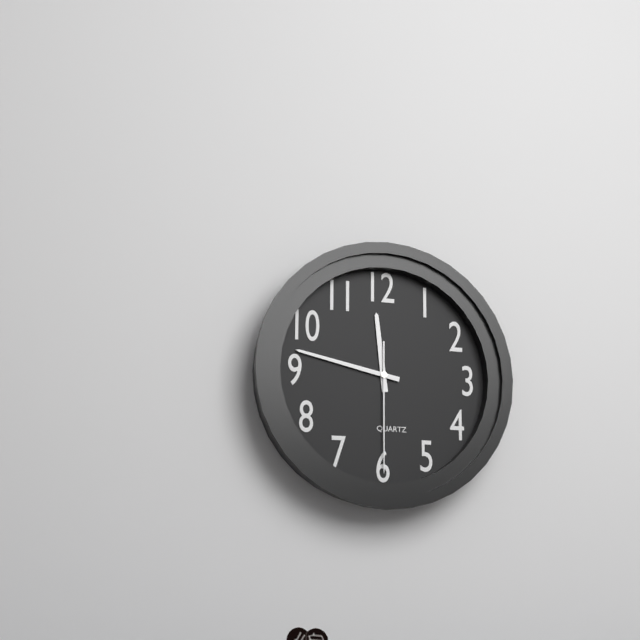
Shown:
11:47:30
